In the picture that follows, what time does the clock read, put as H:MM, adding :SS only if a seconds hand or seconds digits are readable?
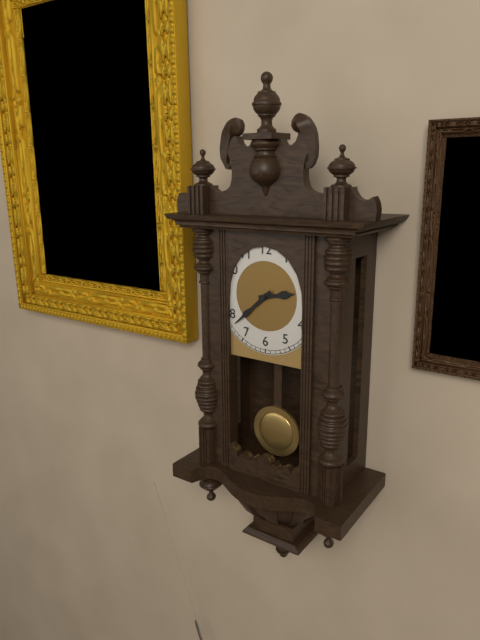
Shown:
2:38
